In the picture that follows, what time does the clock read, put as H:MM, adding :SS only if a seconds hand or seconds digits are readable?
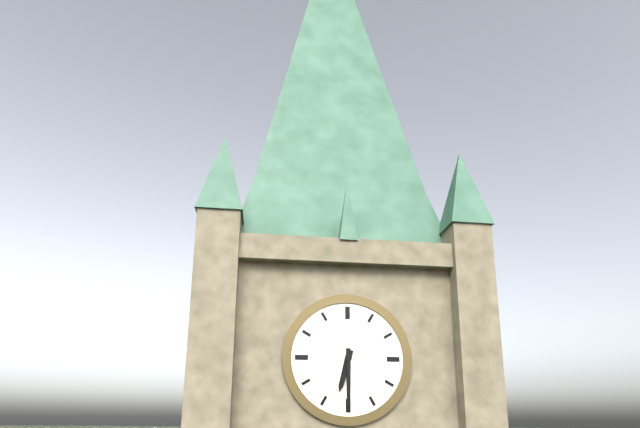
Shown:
6:30
